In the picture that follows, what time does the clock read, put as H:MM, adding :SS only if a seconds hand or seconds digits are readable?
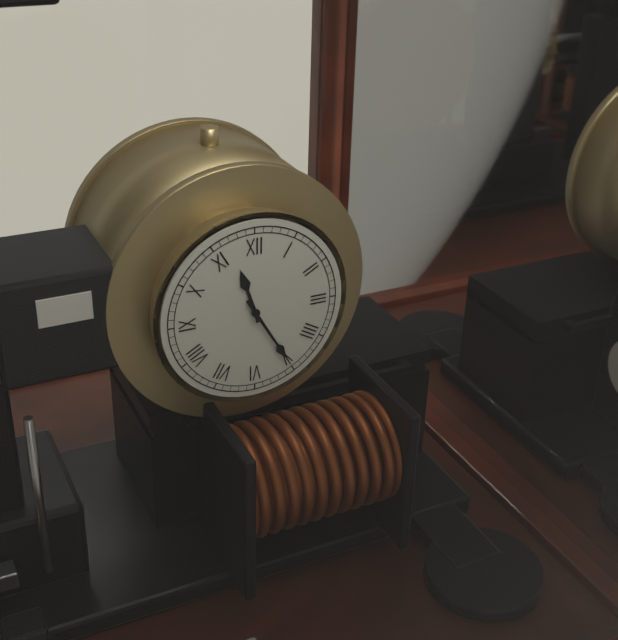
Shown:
11:25
